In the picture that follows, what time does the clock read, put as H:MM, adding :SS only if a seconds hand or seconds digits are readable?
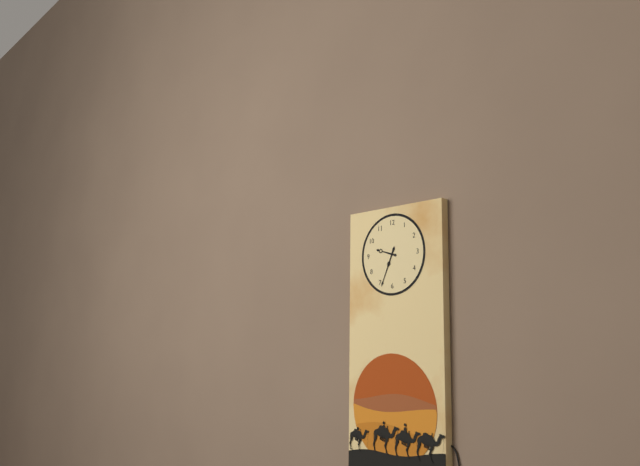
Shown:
9:34
